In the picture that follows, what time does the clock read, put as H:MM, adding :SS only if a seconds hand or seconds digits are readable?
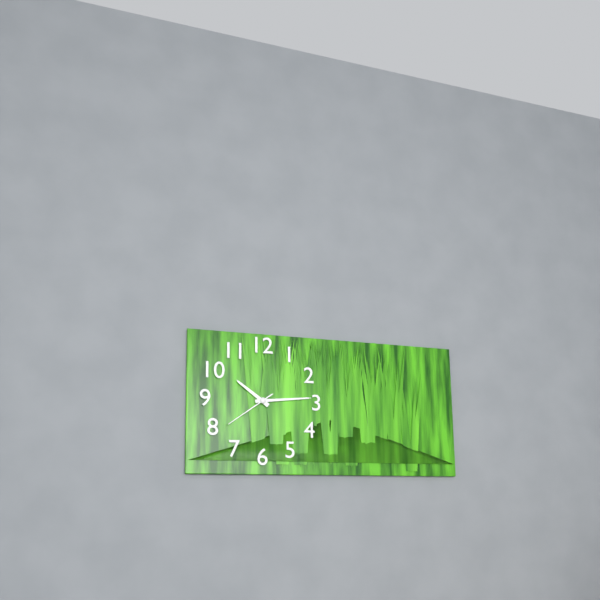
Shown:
10:14:39
